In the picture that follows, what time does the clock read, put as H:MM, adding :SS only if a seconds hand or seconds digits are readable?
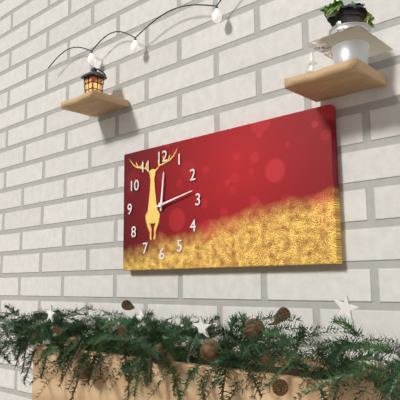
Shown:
12:13
